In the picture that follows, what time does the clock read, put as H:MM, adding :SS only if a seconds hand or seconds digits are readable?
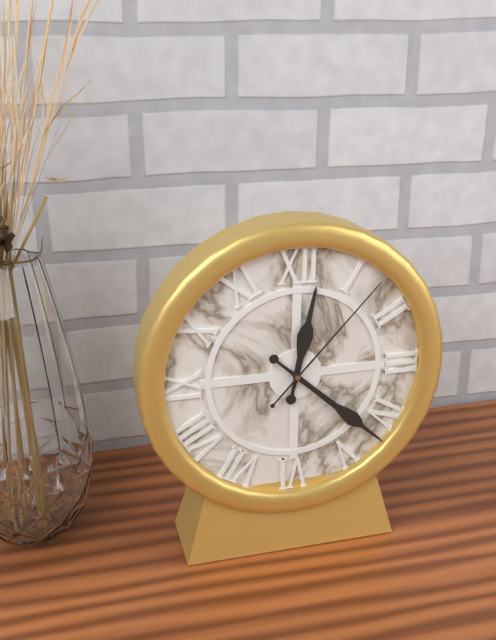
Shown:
12:22:07
